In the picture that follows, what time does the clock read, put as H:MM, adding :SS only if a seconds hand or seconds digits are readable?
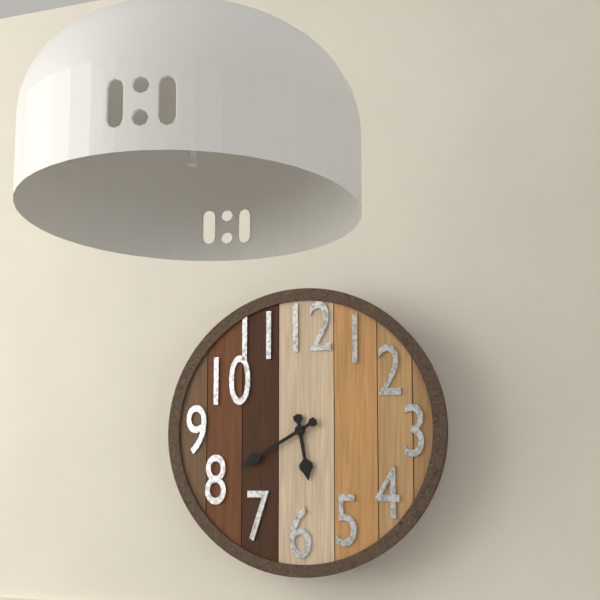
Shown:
5:40
